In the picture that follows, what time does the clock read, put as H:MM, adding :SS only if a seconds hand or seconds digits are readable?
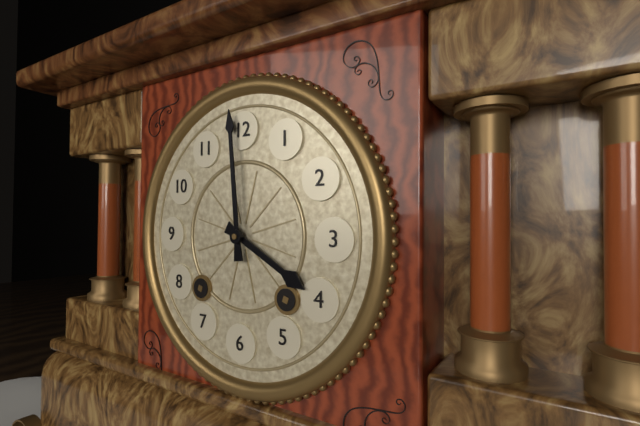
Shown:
3:59
